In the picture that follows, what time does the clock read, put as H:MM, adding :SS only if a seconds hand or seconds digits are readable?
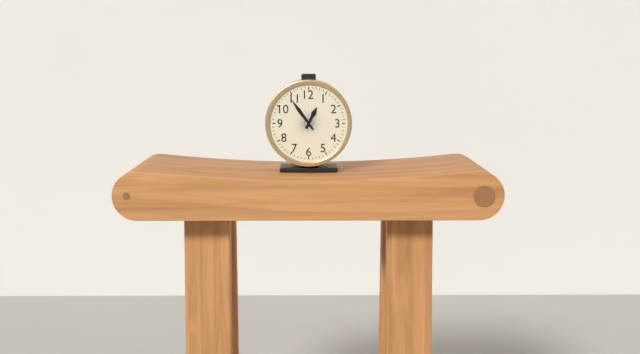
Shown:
12:54
